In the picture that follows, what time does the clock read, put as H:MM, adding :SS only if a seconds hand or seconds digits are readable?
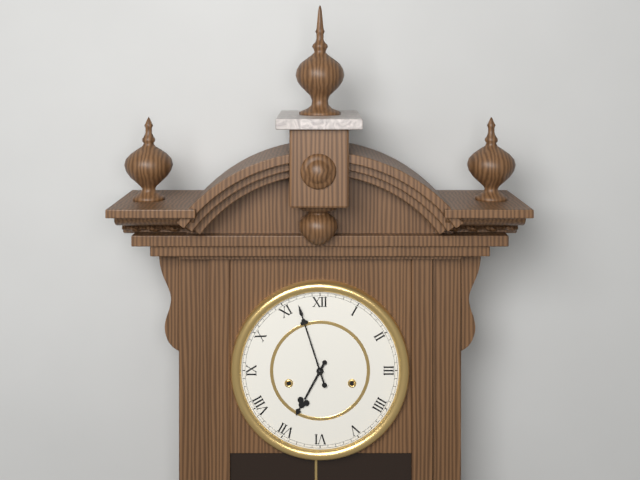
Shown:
6:57
